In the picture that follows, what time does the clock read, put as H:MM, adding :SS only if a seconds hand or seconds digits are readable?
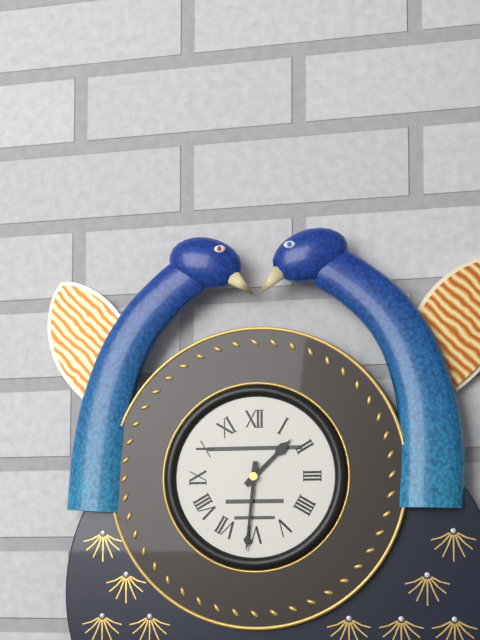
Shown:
1:31
